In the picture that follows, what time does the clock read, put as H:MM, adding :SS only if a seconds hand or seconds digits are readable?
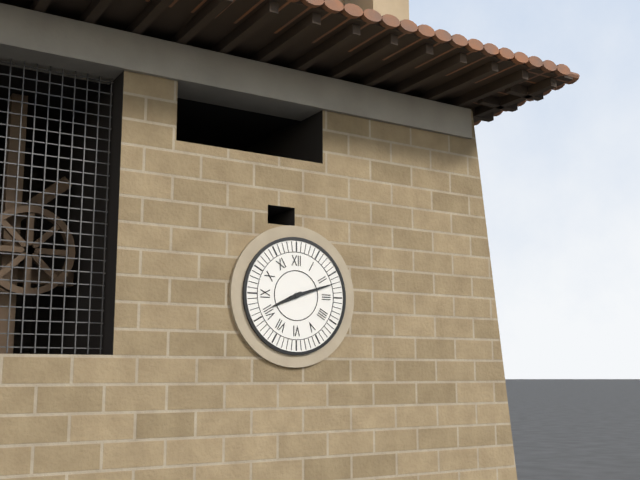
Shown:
8:12
